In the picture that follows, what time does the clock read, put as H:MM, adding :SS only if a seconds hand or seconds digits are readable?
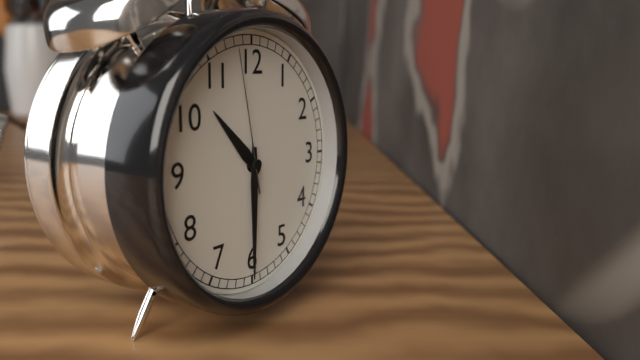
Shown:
10:30:58
